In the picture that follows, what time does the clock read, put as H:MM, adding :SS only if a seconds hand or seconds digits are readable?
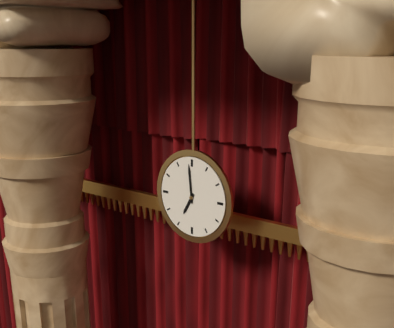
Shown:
6:59
